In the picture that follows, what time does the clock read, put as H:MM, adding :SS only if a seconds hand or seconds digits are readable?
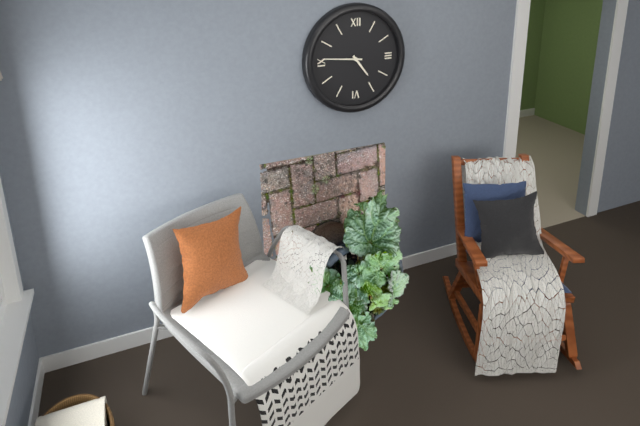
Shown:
4:46
